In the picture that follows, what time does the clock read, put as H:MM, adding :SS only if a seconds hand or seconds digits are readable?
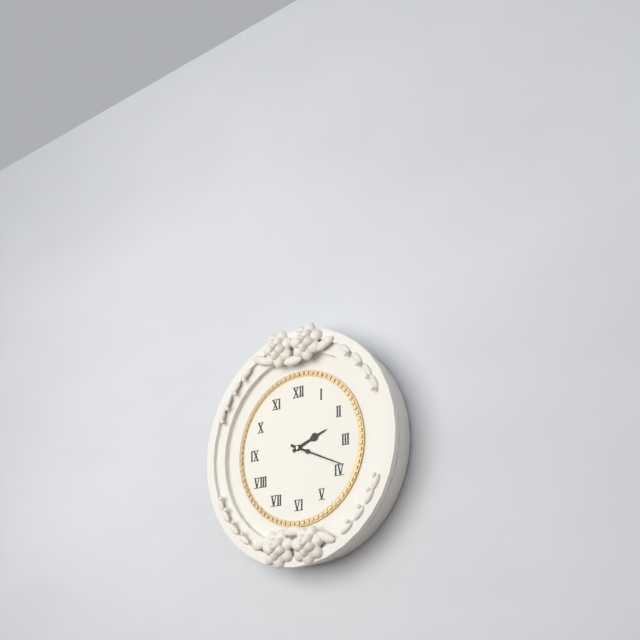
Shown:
2:19
